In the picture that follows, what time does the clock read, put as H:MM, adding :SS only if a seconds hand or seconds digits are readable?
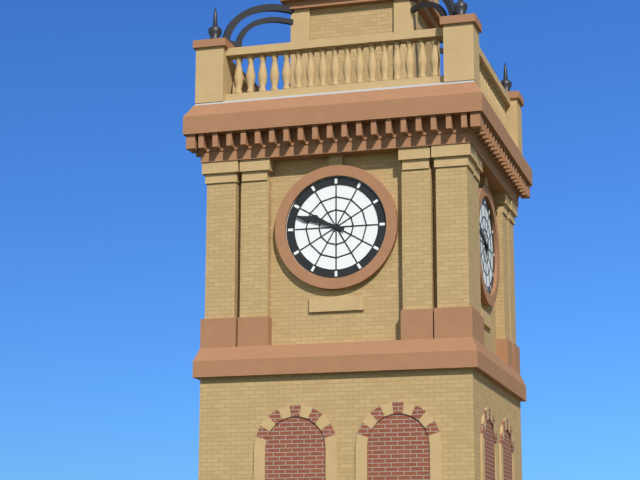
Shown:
9:48
